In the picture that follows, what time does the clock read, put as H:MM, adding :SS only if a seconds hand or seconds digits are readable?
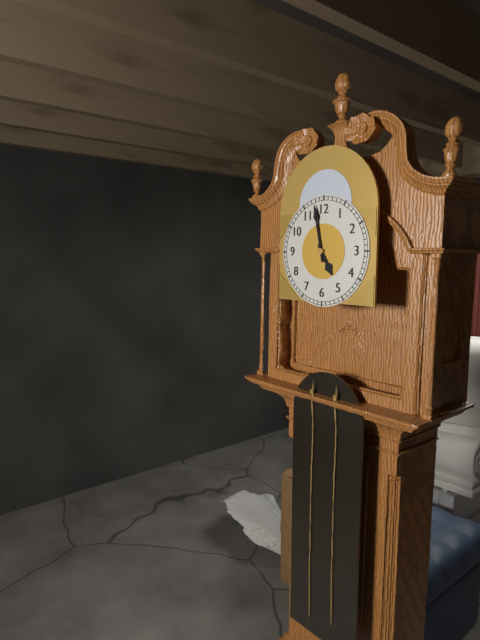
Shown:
4:58
